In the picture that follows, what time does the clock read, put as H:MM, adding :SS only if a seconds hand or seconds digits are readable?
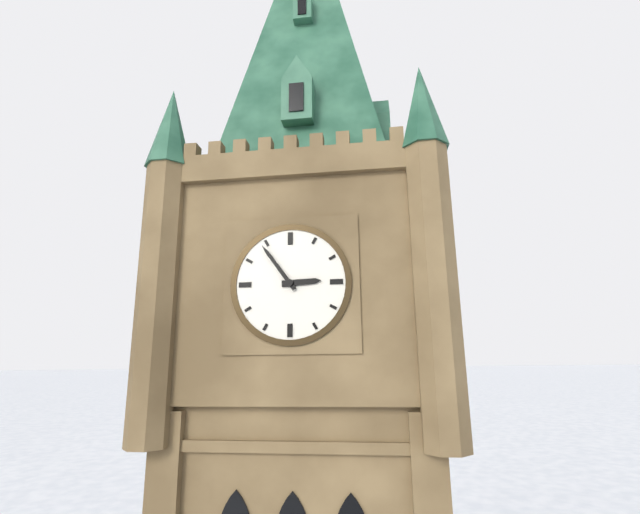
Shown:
2:54
